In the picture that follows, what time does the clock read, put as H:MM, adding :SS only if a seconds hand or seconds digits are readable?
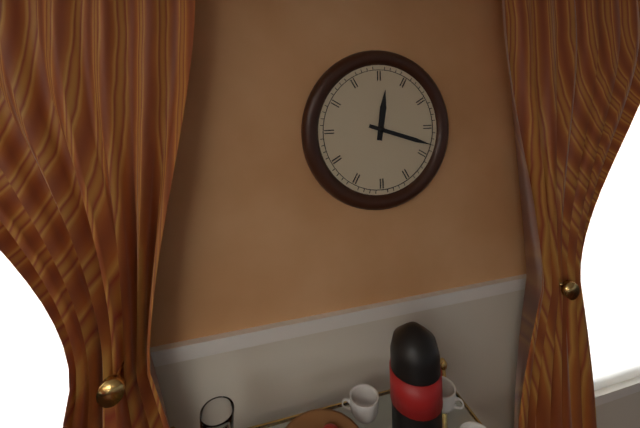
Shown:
12:18
